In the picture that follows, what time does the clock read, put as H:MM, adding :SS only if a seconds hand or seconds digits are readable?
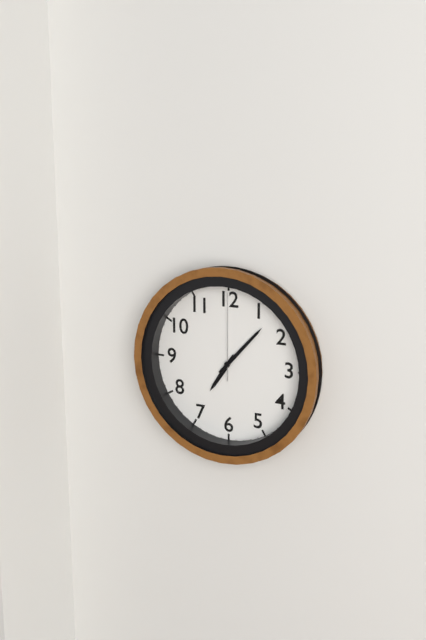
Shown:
7:07:00
